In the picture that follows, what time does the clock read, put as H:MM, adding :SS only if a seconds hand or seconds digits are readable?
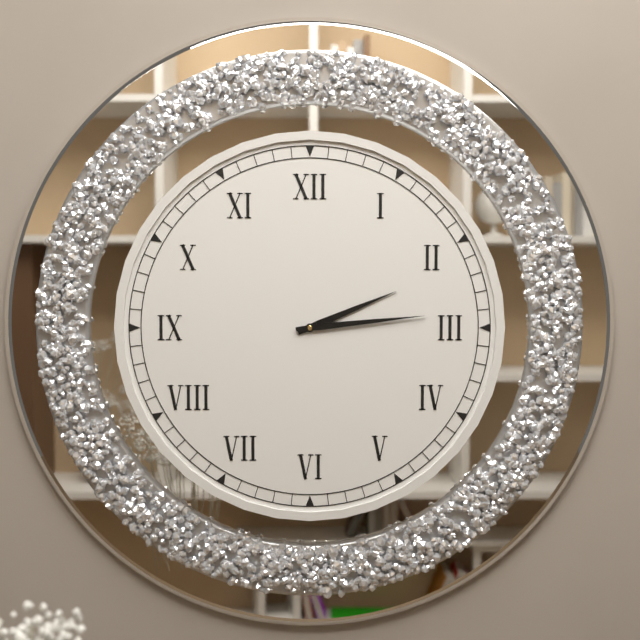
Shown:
2:14
